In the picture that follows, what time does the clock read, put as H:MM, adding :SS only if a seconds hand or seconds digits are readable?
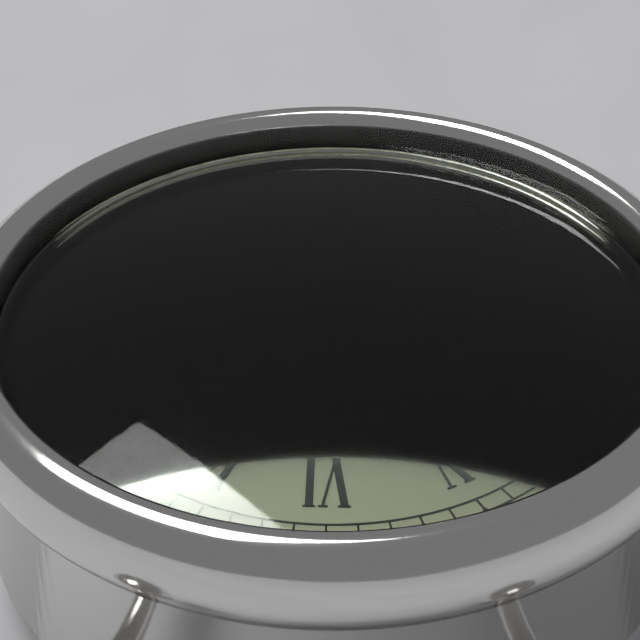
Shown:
7:44
